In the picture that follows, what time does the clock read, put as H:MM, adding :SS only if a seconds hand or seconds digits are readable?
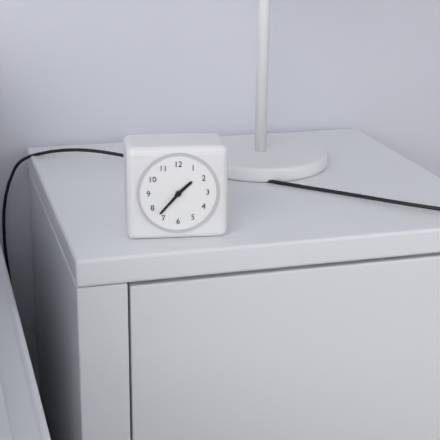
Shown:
1:37
